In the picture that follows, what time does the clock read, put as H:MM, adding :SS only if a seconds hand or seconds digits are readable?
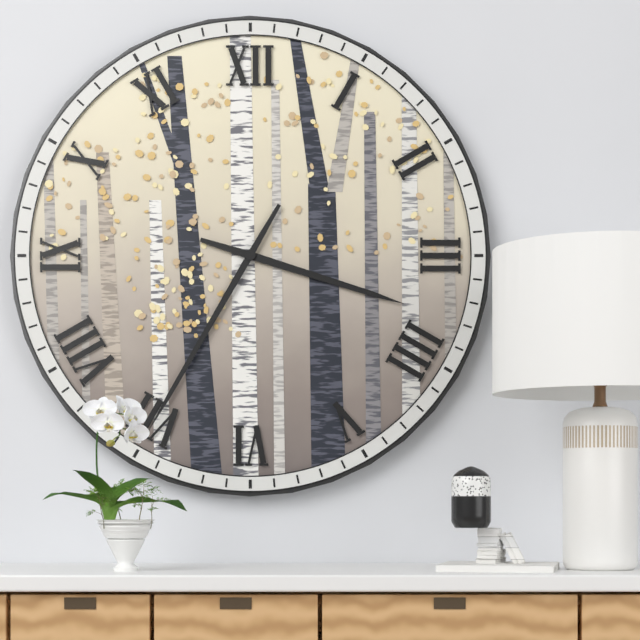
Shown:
3:35
